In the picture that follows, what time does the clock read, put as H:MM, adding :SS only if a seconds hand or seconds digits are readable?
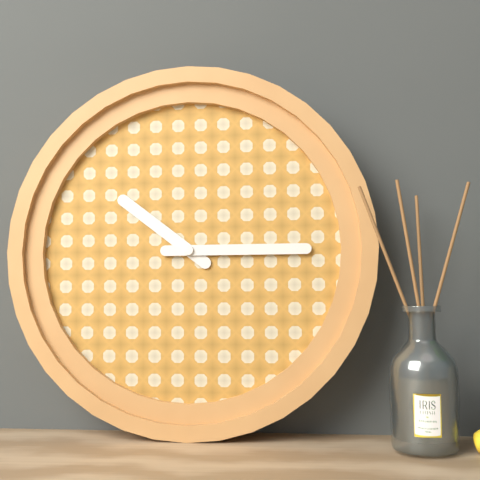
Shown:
10:15
